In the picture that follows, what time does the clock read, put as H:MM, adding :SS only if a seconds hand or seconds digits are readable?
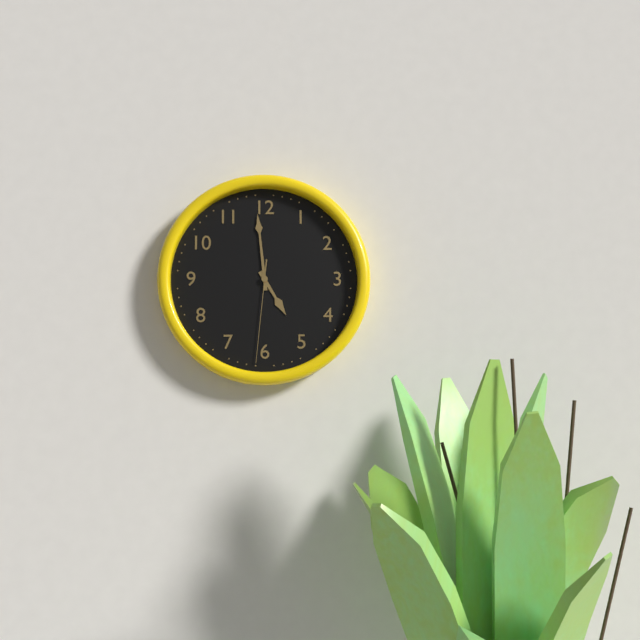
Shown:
4:59:31
